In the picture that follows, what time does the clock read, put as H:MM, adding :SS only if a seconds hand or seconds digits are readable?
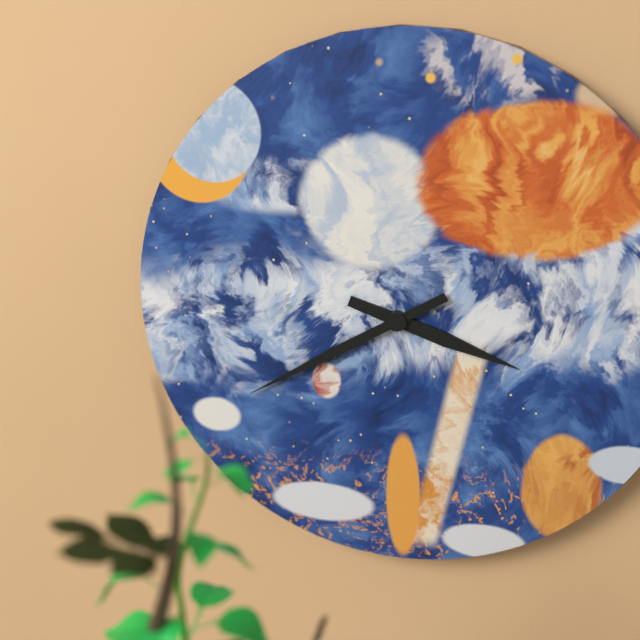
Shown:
3:40
